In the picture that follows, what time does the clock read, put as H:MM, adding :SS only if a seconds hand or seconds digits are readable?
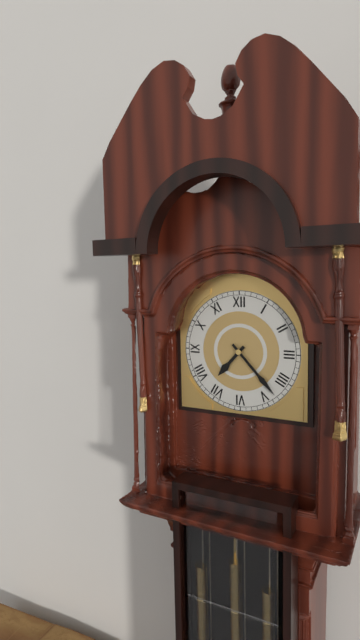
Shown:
7:23
